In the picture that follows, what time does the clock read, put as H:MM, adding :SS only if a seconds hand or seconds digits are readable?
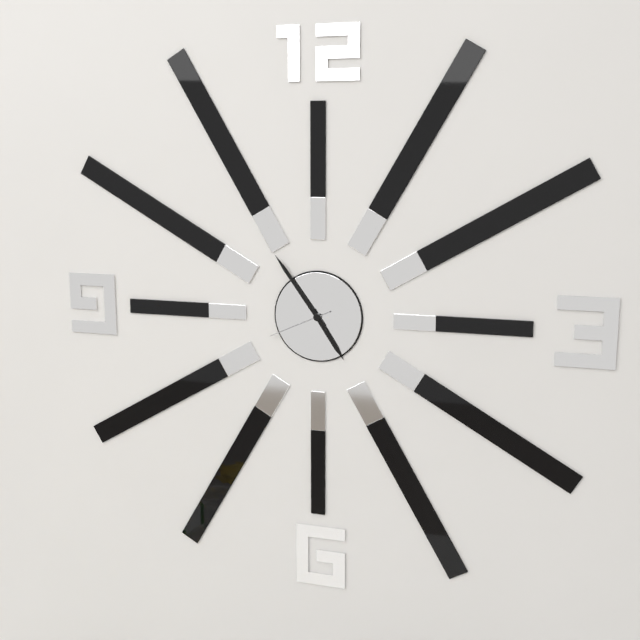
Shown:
4:54:41
